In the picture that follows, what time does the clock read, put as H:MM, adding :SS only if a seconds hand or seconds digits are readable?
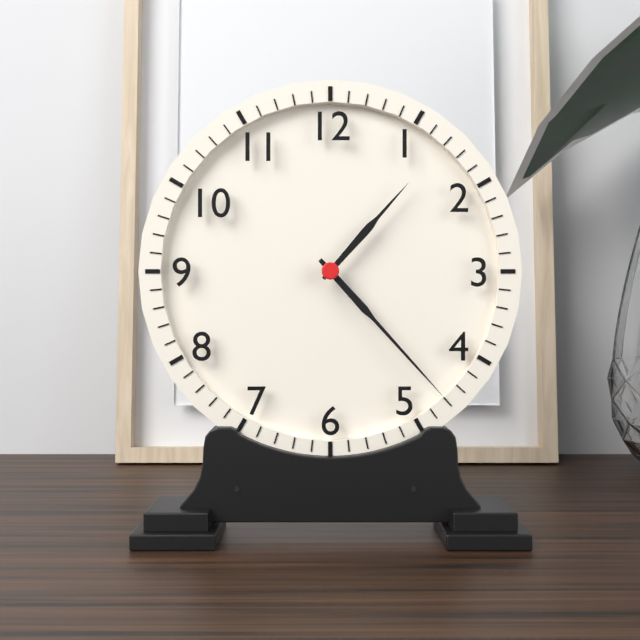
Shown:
1:23
